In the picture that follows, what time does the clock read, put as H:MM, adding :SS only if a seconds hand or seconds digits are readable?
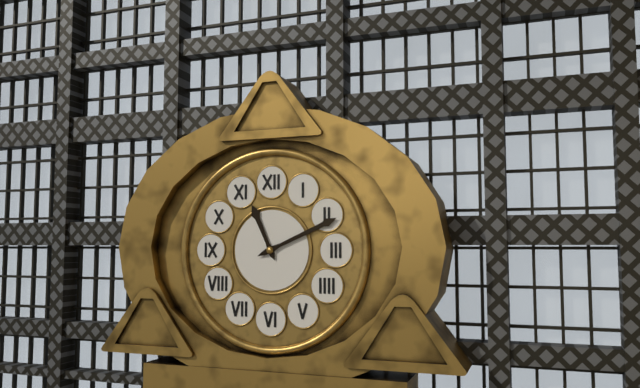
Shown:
11:11
